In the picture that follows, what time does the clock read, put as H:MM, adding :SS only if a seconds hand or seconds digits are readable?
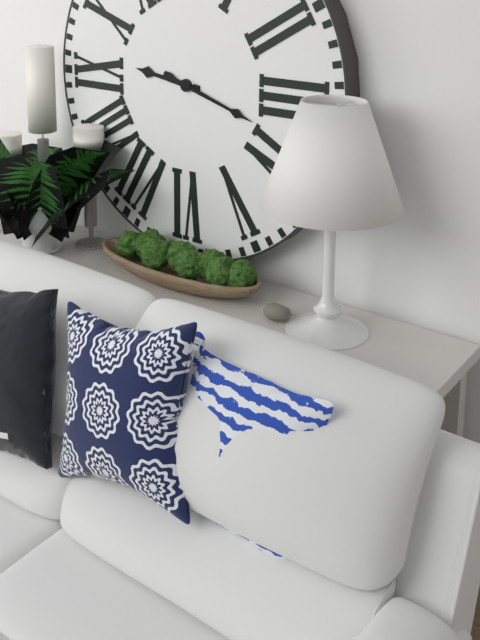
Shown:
9:18
